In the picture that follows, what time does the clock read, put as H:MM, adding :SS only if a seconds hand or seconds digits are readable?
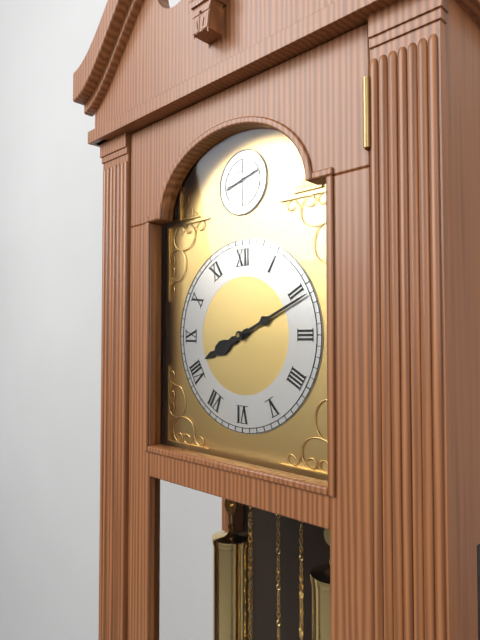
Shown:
8:11
